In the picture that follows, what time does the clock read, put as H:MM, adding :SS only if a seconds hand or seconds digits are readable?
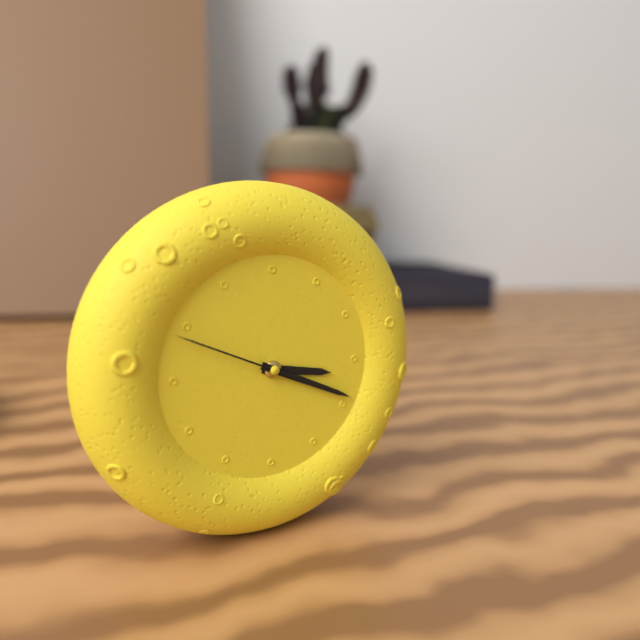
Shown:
3:19:49
